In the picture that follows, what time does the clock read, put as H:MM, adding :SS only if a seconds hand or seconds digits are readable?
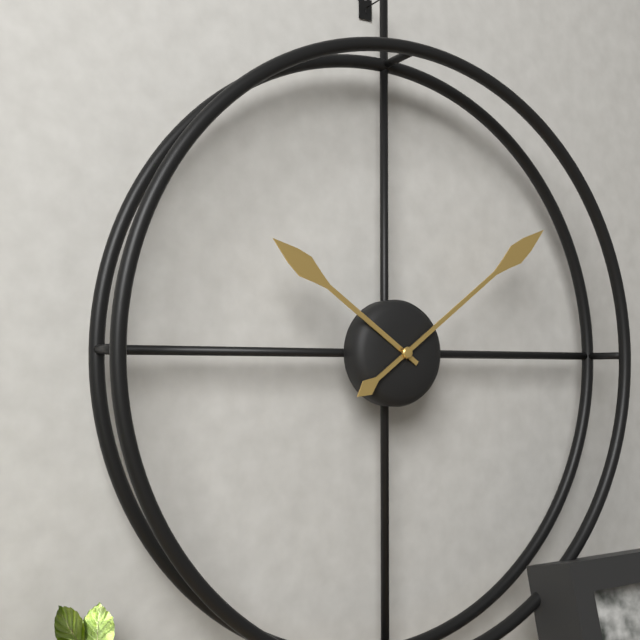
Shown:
10:09
